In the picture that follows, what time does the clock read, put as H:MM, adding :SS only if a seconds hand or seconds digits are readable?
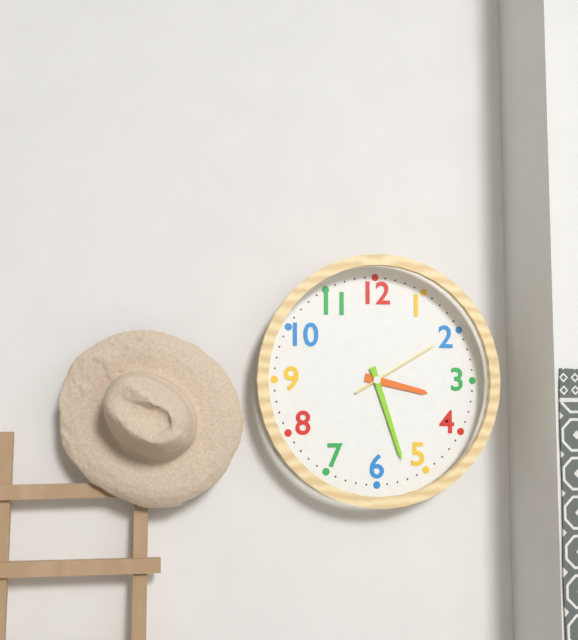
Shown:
3:27:10
